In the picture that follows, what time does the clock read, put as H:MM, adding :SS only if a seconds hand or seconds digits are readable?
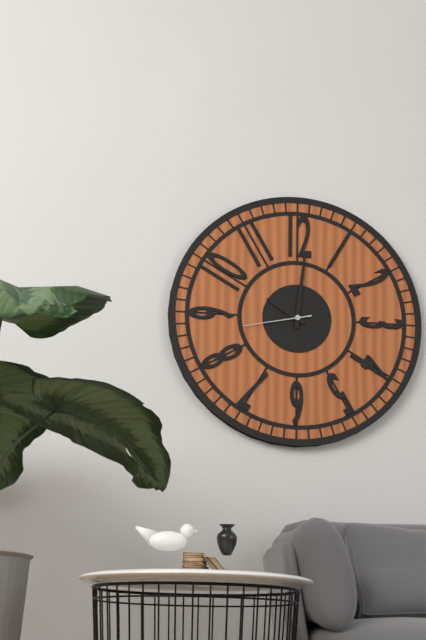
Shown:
10:01:43
